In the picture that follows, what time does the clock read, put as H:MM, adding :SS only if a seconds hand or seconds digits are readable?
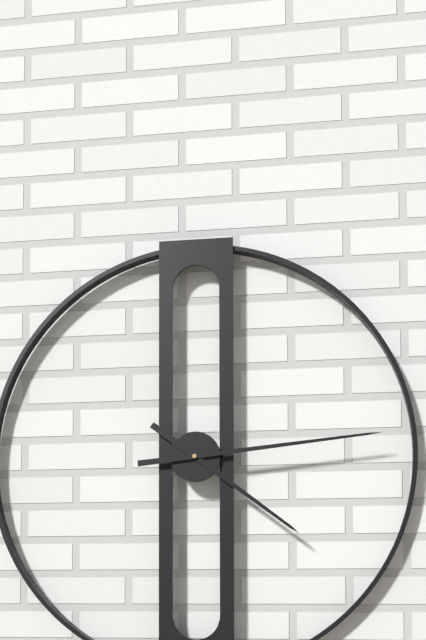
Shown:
4:14
